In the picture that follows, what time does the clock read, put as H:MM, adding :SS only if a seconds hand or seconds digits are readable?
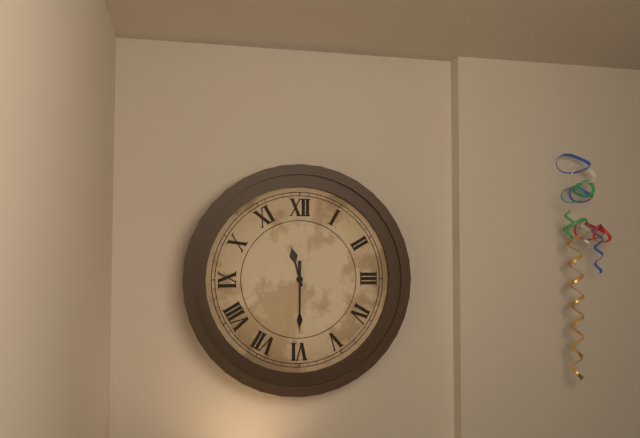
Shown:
11:30
